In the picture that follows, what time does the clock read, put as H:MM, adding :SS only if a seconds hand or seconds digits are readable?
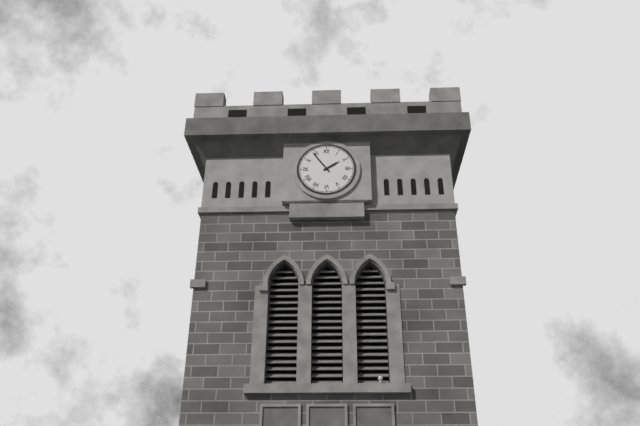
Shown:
1:54
